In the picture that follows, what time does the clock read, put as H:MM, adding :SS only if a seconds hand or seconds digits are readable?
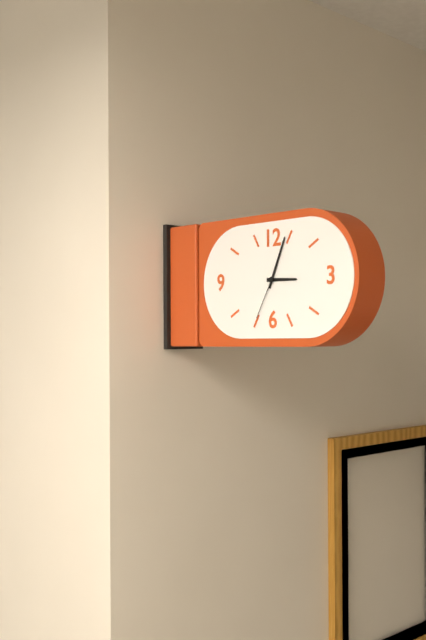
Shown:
3:04:35
